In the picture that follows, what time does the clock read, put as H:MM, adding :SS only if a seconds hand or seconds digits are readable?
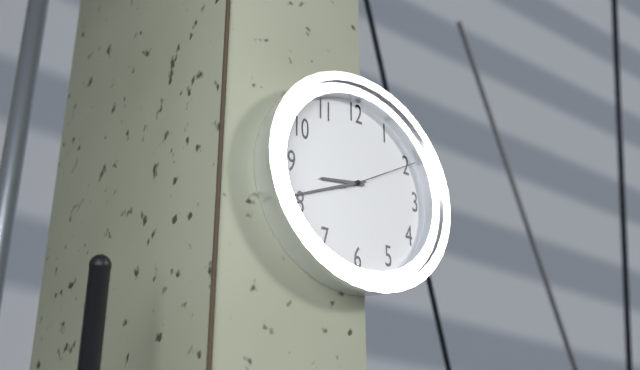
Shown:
8:41:10
